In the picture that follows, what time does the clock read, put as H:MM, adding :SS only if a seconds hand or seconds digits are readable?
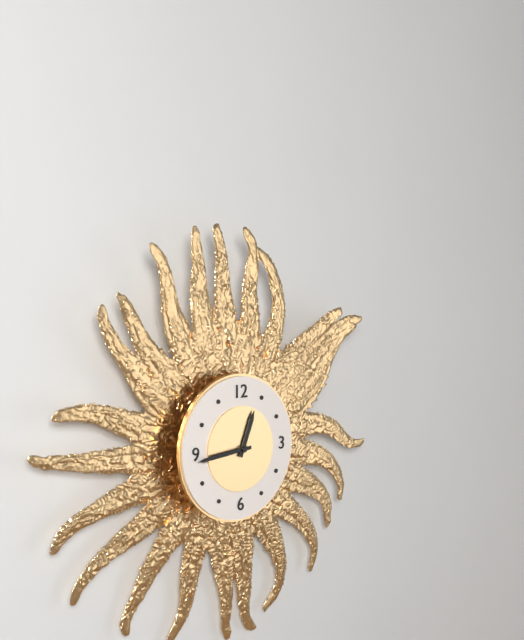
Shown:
12:44
